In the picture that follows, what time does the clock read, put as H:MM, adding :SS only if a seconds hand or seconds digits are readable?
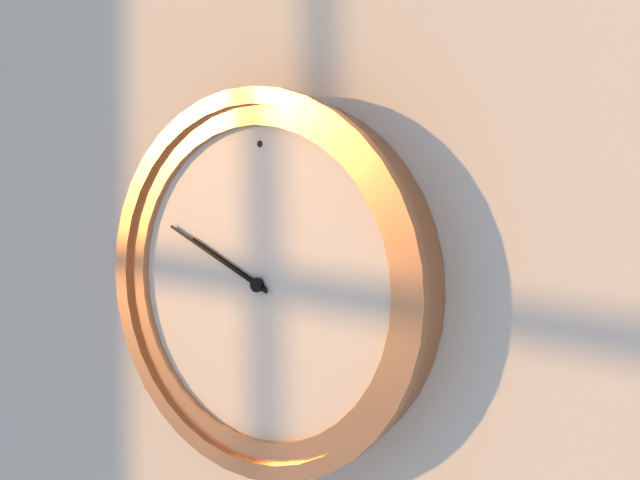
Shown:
9:49
